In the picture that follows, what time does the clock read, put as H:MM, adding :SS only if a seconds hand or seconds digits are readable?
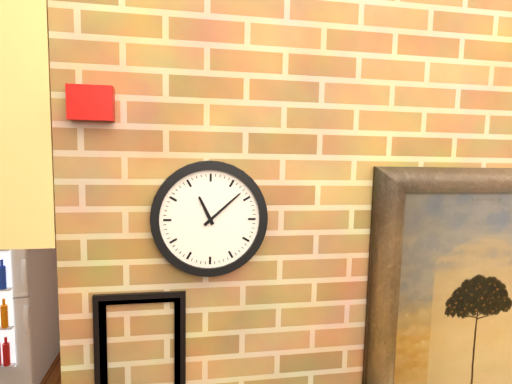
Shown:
11:08
